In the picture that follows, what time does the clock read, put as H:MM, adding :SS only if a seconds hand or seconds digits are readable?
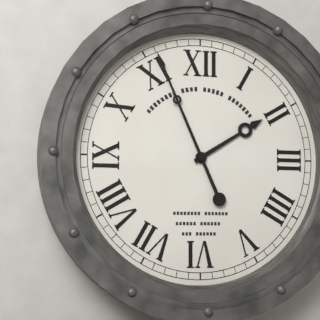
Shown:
1:56
